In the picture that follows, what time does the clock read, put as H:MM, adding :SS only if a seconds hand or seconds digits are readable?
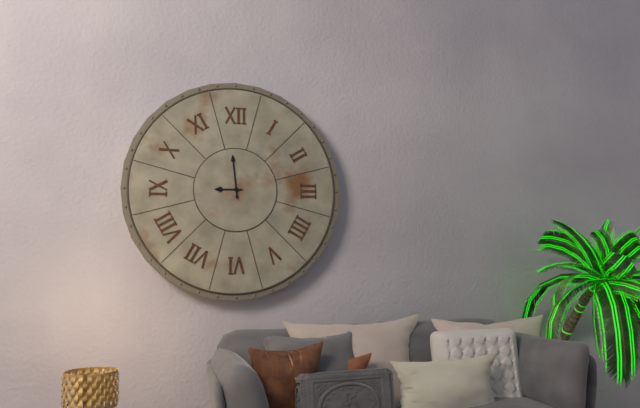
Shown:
8:59
